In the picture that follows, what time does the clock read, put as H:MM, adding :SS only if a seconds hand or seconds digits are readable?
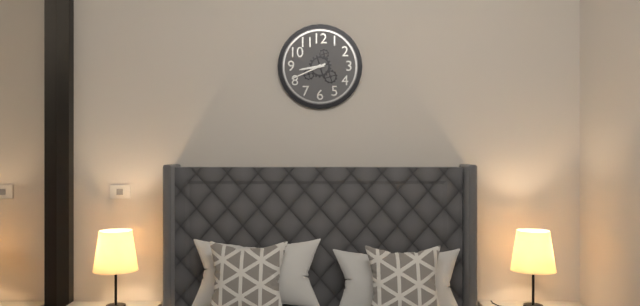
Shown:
8:41
